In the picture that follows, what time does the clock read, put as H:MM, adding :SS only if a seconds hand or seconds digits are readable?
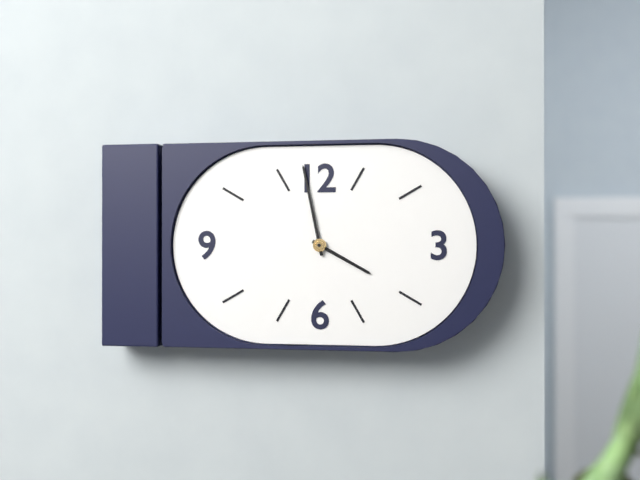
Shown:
3:58
